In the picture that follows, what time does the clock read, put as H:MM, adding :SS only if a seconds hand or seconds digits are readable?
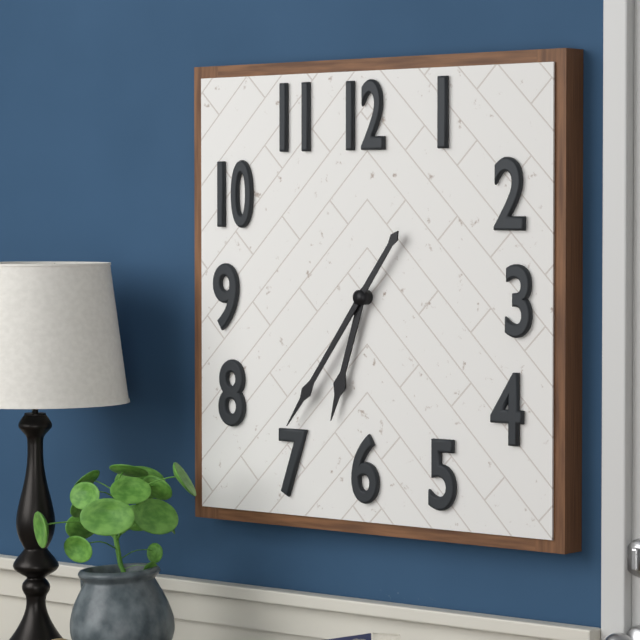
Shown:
6:36
